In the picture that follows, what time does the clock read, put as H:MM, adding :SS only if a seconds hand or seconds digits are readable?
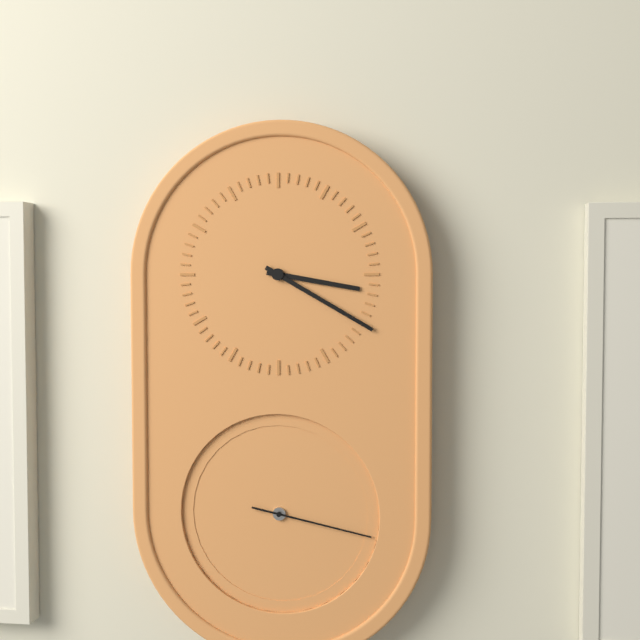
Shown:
3:20:17
